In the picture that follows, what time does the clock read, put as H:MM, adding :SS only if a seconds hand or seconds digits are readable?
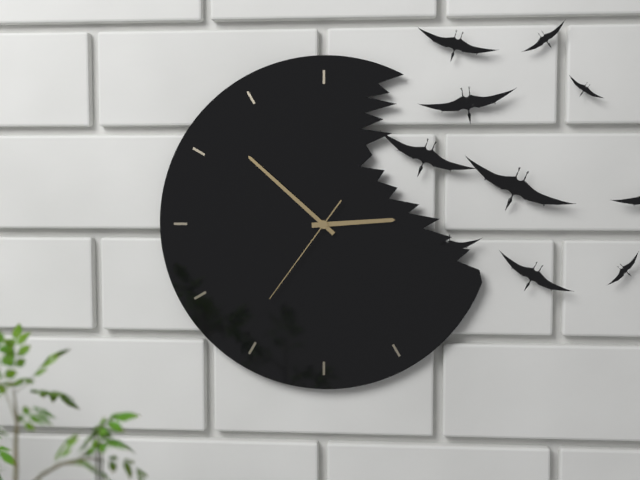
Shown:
2:52:36
